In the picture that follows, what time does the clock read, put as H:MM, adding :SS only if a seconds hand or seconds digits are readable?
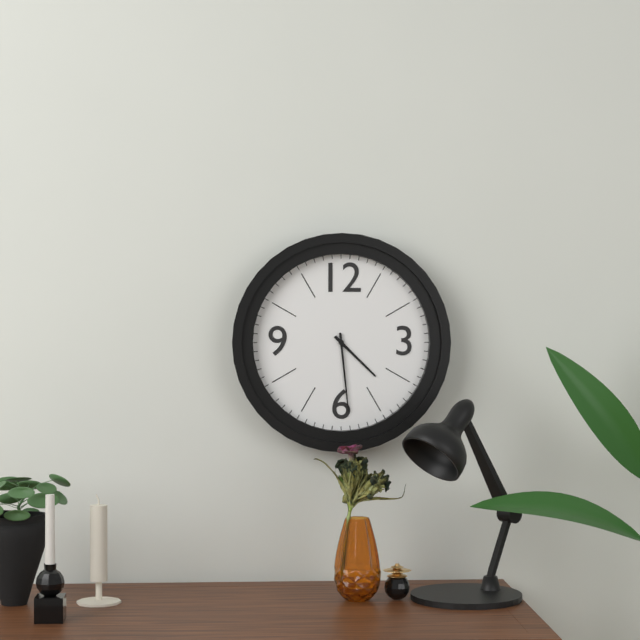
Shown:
4:29
